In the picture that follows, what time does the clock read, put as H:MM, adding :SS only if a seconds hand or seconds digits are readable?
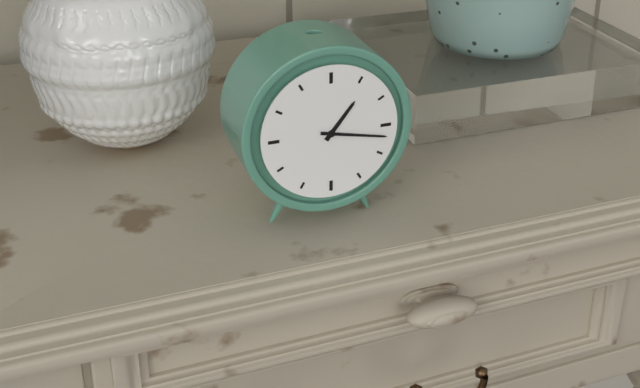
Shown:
1:17
